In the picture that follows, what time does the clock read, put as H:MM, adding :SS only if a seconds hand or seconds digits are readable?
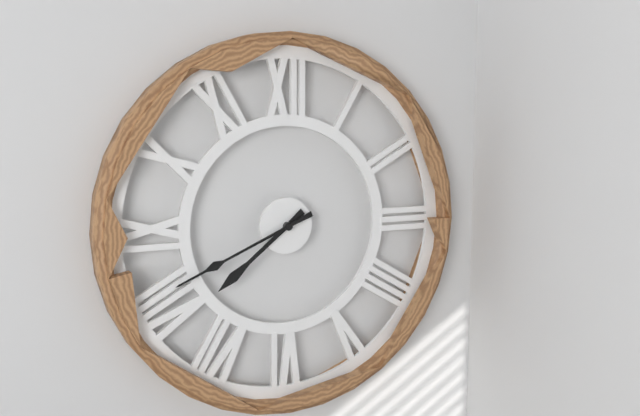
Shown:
7:41
